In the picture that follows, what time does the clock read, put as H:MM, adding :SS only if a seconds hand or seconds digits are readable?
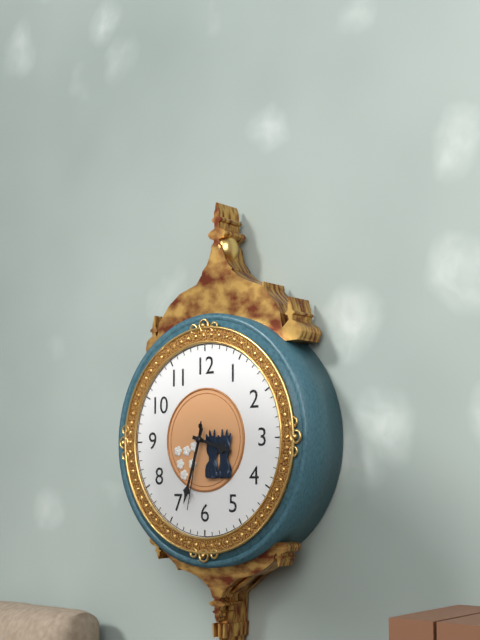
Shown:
3:33:32
